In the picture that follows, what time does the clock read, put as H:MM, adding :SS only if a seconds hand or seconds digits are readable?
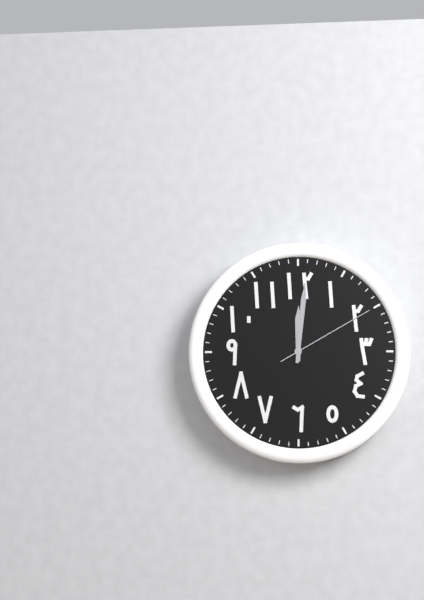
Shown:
12:01:10
